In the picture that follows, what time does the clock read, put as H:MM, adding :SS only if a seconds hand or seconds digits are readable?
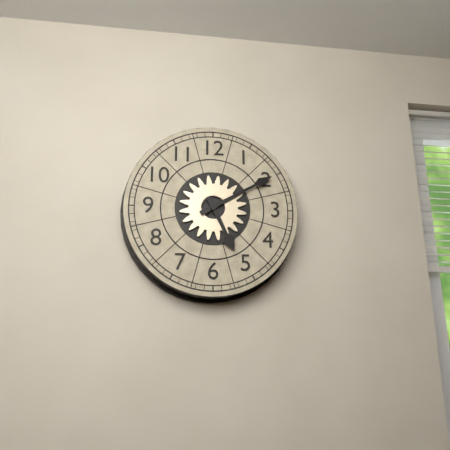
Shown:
5:10
